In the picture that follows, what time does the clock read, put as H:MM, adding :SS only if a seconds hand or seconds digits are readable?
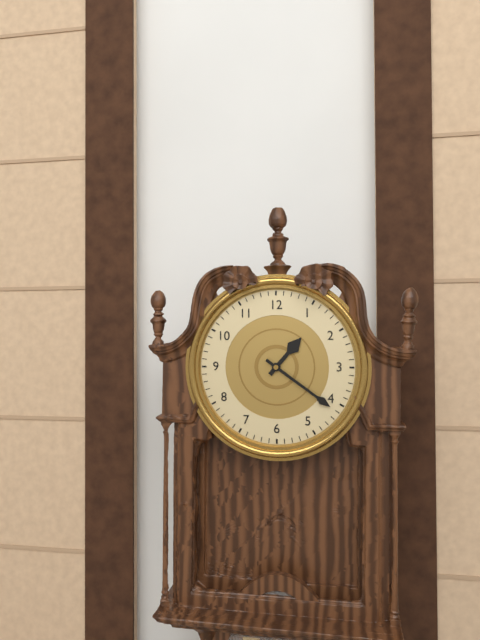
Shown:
1:21
